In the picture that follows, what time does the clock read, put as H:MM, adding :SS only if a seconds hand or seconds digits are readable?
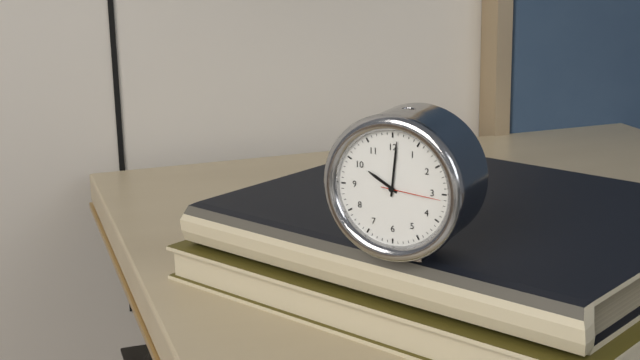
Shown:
10:01:16
